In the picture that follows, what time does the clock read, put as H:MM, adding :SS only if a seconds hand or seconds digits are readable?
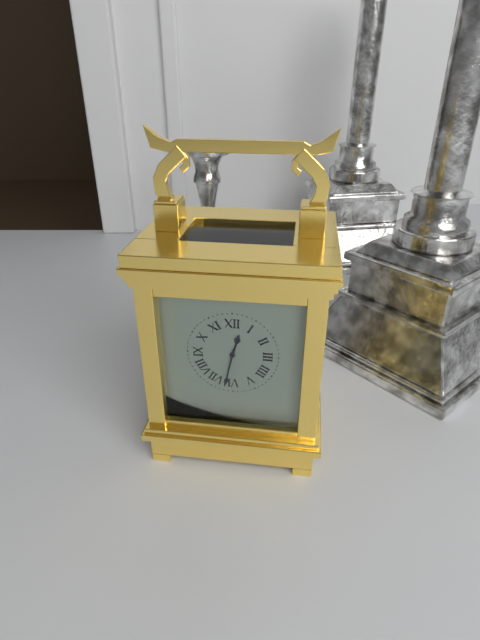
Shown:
12:32
